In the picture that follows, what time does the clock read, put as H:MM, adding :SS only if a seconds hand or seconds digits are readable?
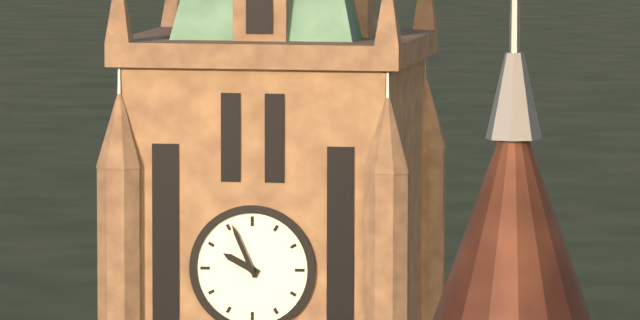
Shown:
9:56
